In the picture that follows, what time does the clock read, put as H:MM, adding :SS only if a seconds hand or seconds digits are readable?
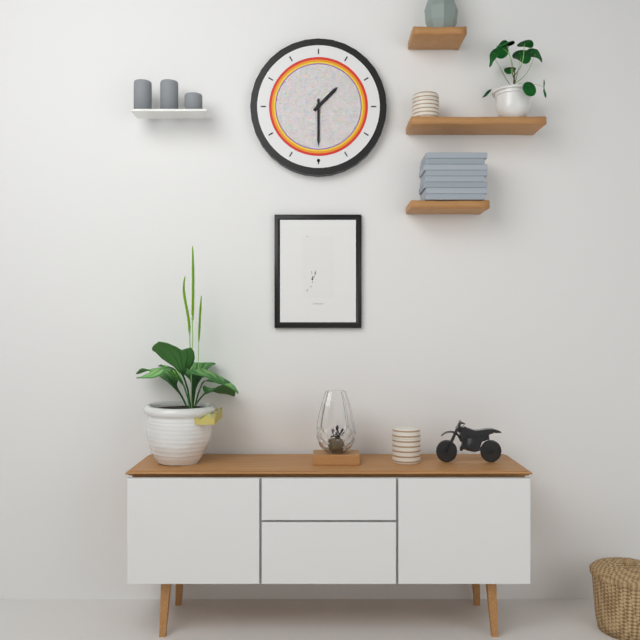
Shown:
1:30
